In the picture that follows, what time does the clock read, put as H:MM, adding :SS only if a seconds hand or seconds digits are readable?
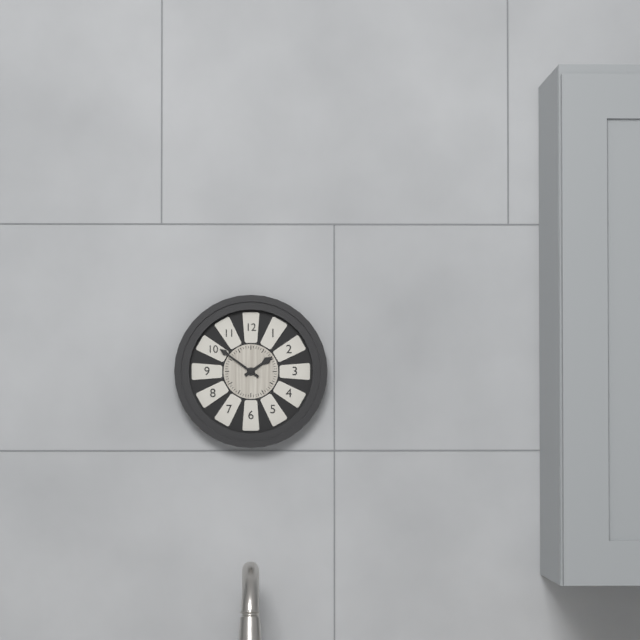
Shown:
1:51
